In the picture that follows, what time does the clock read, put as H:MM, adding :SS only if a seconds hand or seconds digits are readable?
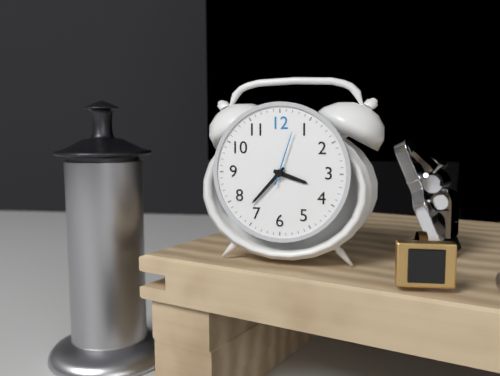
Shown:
3:37:03
